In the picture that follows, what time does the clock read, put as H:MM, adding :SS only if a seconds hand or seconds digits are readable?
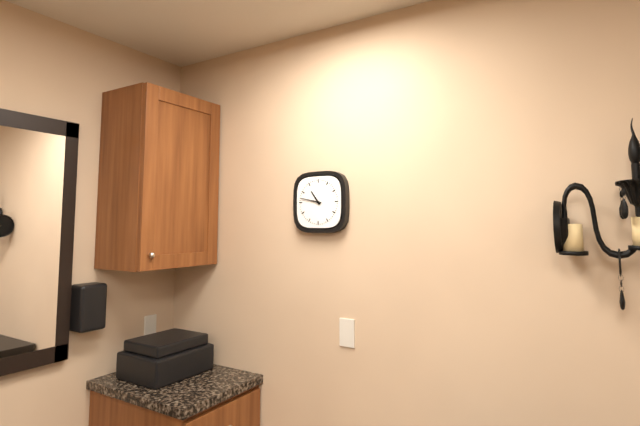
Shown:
10:47
